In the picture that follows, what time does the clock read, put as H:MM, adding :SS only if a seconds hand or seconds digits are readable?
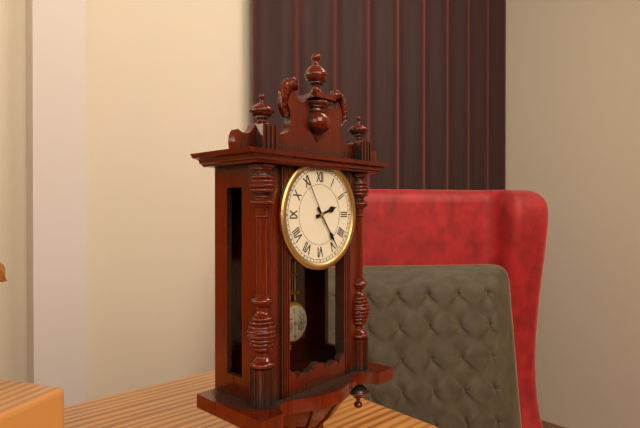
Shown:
2:24:55
